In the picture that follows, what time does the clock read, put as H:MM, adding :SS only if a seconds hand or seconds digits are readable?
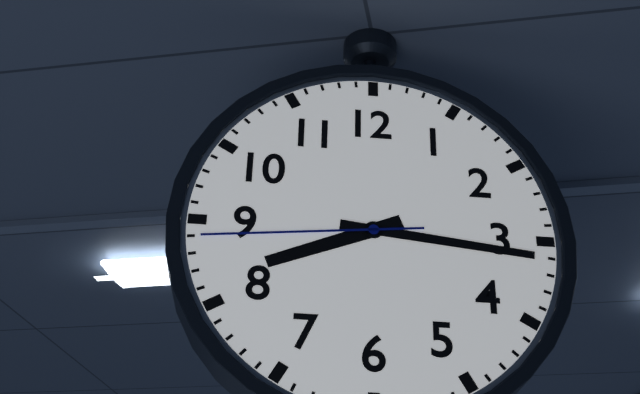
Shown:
8:16:44
